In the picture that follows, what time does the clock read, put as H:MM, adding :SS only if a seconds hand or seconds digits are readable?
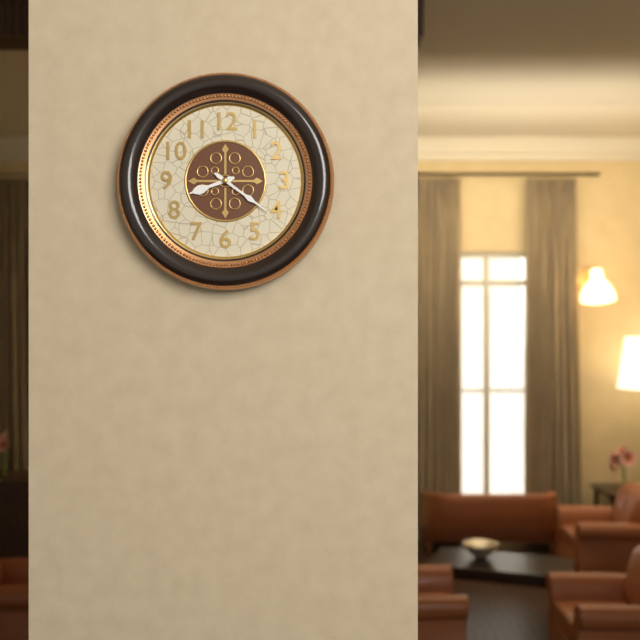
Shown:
8:21
